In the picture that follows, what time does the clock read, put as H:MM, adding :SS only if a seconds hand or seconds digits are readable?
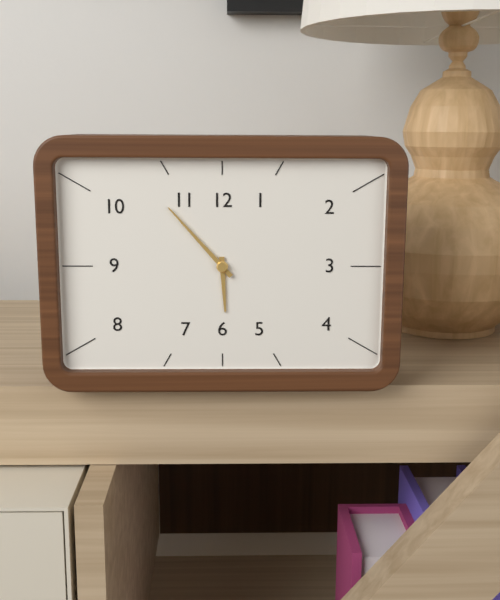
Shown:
5:53
